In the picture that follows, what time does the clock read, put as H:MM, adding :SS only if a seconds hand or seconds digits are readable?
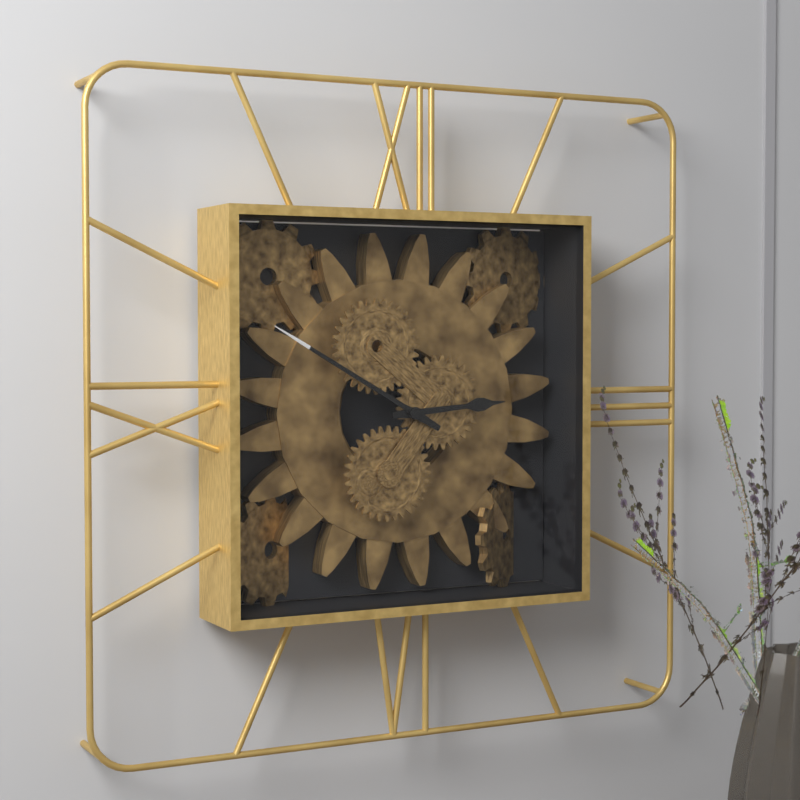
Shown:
2:50
